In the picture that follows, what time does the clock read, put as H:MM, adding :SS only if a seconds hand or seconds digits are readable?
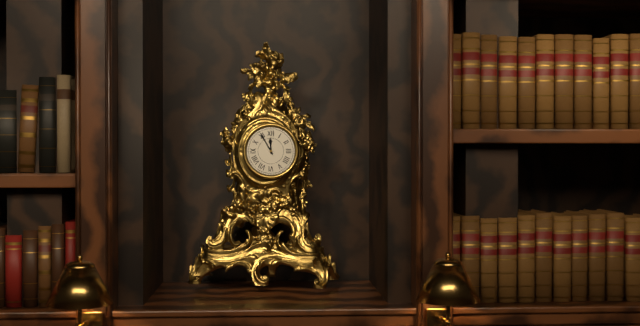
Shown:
11:55
